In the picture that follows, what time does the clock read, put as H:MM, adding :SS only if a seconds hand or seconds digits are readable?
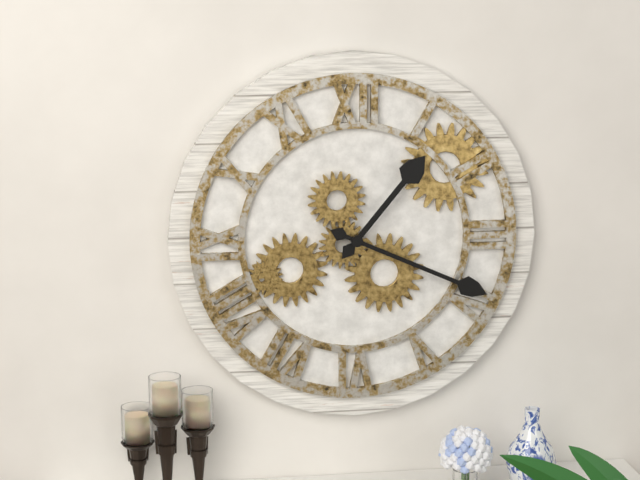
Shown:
1:19
